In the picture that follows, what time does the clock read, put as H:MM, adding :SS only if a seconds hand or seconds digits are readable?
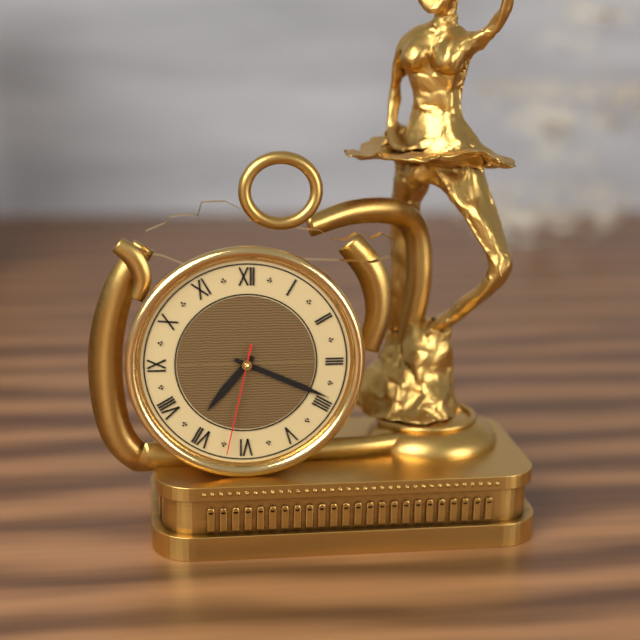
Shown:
7:19:32
